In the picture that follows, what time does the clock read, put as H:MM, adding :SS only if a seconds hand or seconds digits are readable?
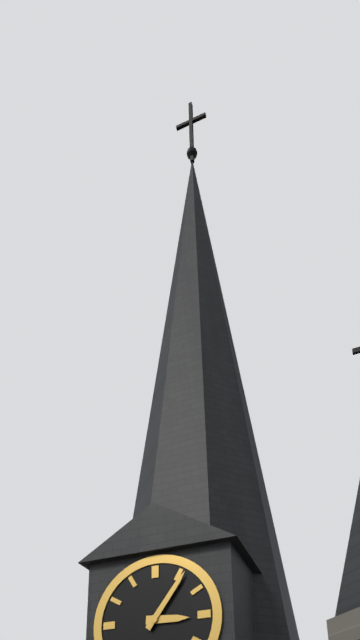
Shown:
3:06
